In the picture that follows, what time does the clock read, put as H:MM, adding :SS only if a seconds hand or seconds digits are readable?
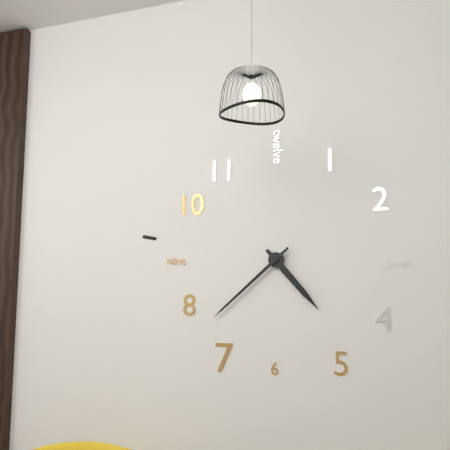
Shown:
4:38
